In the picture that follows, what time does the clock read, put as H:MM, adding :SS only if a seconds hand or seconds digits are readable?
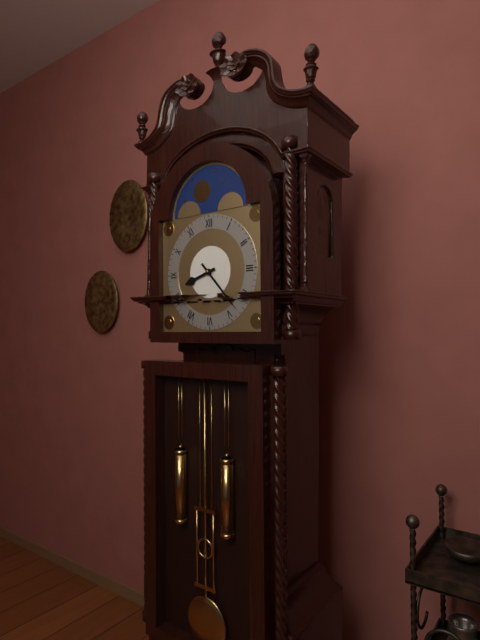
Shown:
8:23
